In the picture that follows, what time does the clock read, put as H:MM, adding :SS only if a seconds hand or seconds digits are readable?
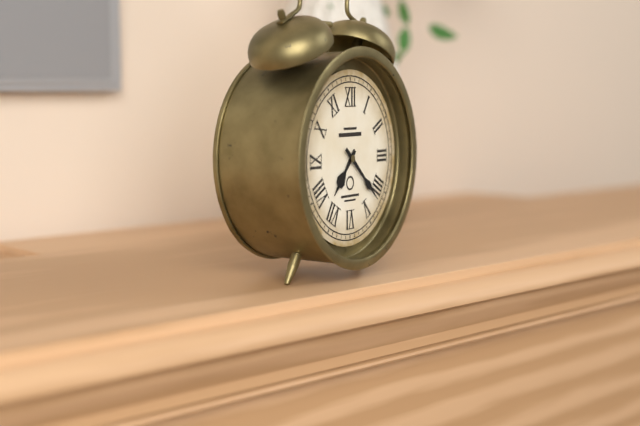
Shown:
7:22
